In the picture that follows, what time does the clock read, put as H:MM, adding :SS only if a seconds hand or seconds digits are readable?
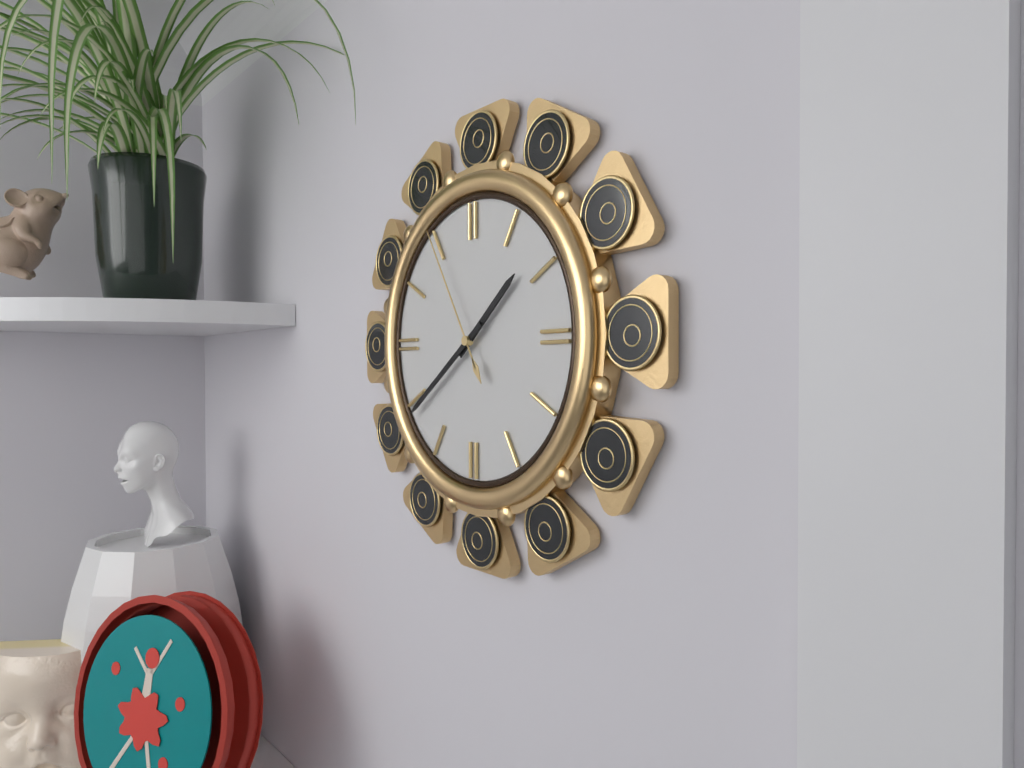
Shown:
1:39:55
